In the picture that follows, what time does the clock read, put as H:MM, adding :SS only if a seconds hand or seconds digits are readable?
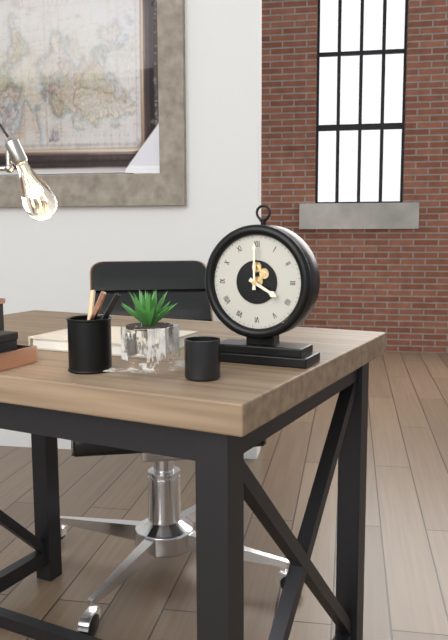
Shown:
4:00
